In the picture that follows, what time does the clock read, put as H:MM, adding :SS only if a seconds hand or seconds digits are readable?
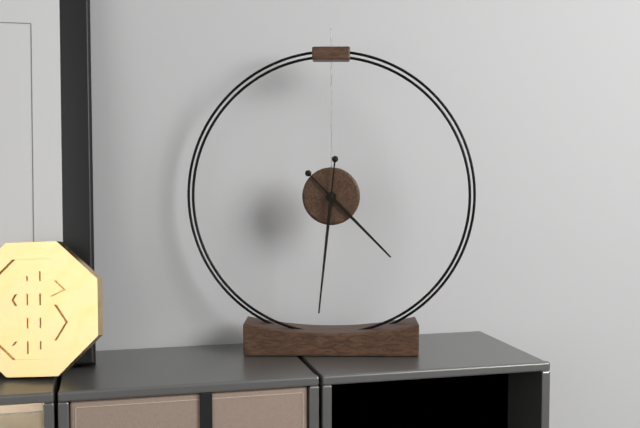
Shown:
4:31
